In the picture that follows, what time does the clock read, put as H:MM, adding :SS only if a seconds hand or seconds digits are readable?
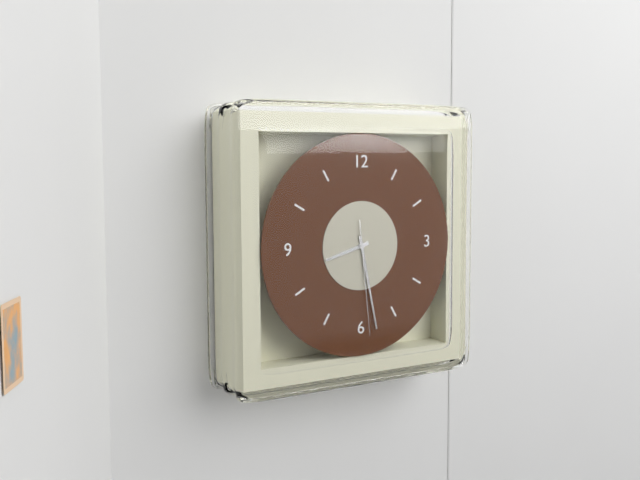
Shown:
8:28:29
